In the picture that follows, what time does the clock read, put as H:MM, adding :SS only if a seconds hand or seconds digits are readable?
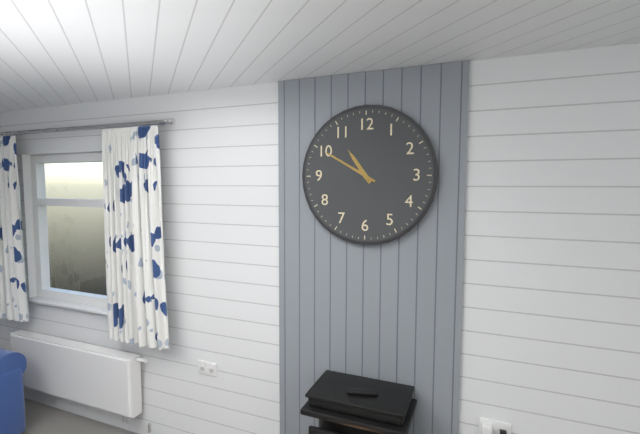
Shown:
10:50
